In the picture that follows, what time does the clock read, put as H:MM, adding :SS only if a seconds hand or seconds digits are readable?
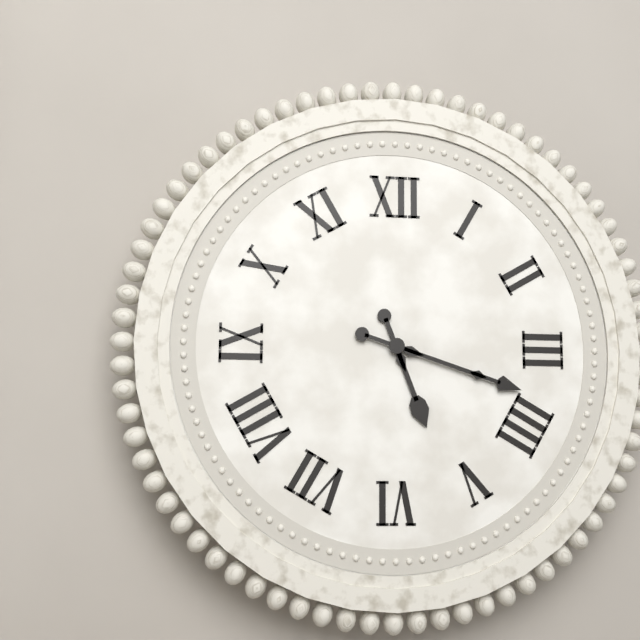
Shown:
5:18
